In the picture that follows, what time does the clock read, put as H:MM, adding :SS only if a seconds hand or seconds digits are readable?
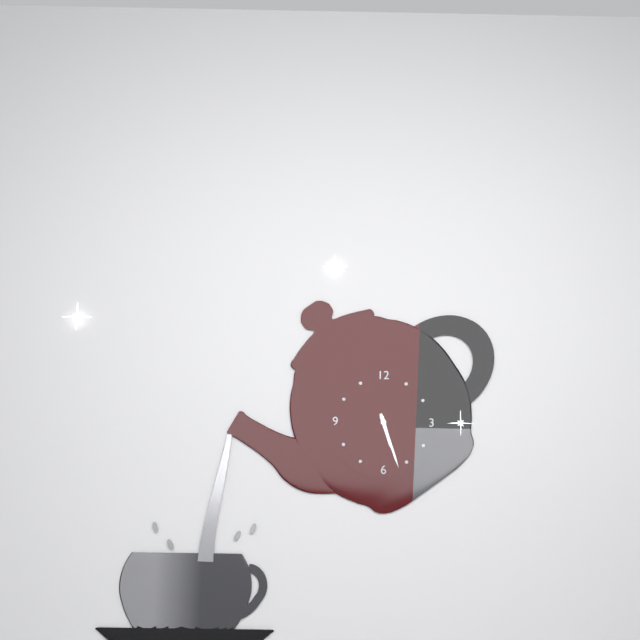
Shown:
5:27
